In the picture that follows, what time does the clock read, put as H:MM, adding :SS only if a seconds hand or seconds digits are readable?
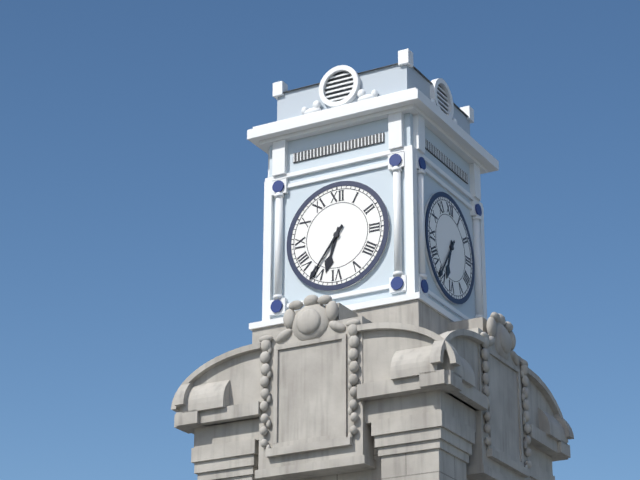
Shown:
6:36
